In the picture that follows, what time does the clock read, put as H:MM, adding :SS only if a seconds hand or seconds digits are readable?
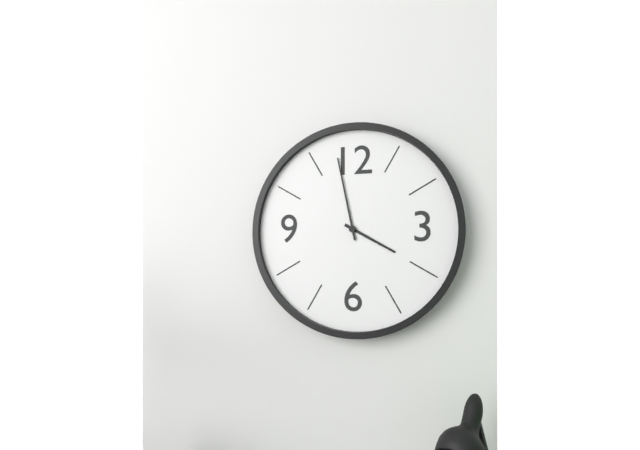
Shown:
3:58
